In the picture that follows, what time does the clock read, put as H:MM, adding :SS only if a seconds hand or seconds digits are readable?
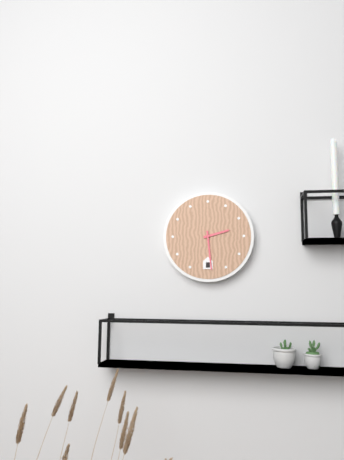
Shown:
2:29
